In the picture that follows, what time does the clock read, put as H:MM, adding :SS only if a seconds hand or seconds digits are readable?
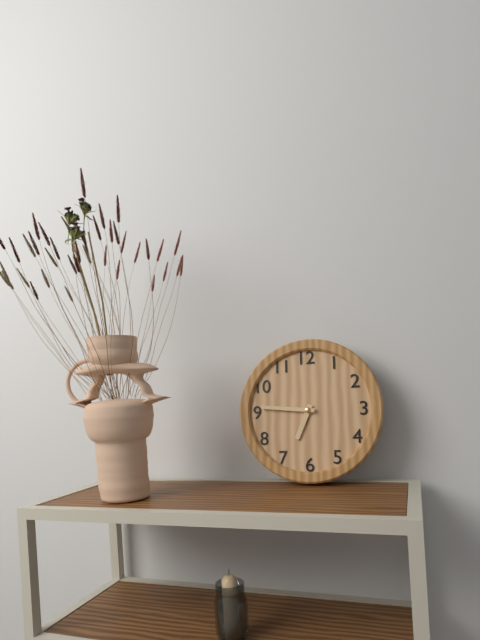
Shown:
6:46
